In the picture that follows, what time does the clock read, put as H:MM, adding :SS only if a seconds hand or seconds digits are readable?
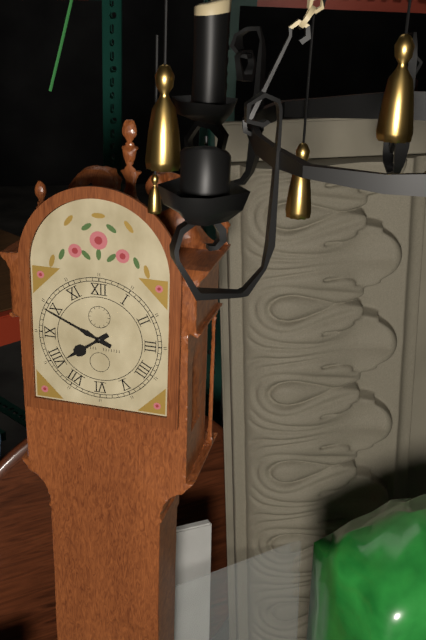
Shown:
7:49
